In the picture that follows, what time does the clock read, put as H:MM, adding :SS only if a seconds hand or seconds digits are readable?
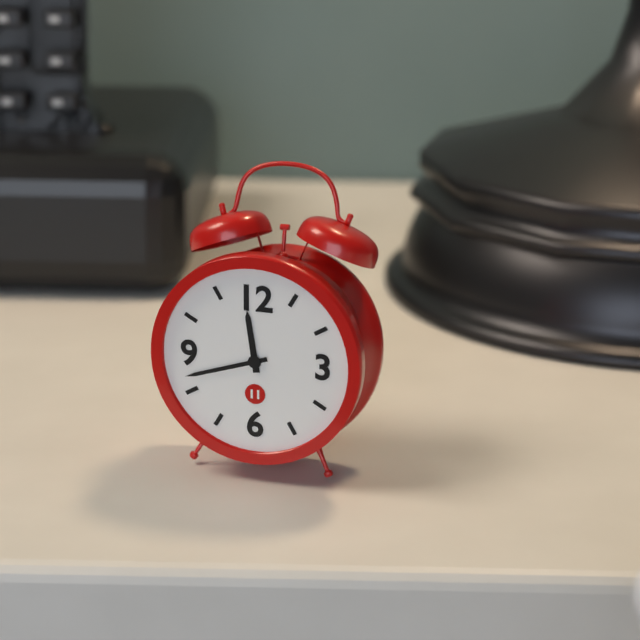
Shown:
11:42
